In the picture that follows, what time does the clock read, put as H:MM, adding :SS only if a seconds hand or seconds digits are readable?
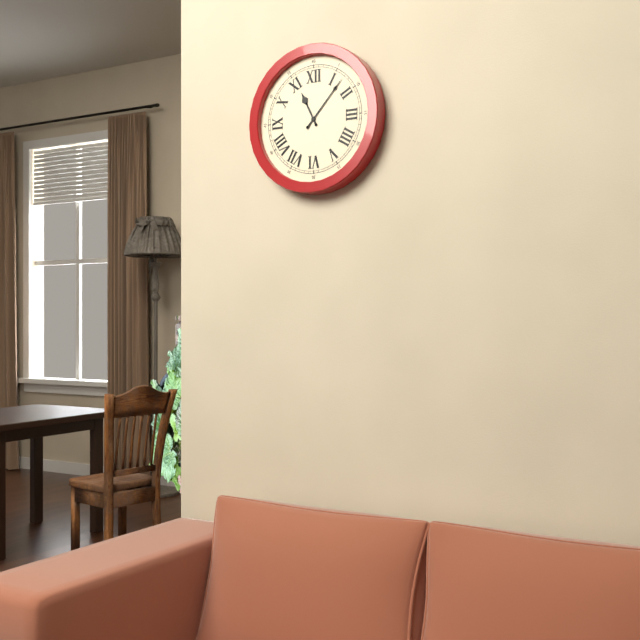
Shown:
11:07
